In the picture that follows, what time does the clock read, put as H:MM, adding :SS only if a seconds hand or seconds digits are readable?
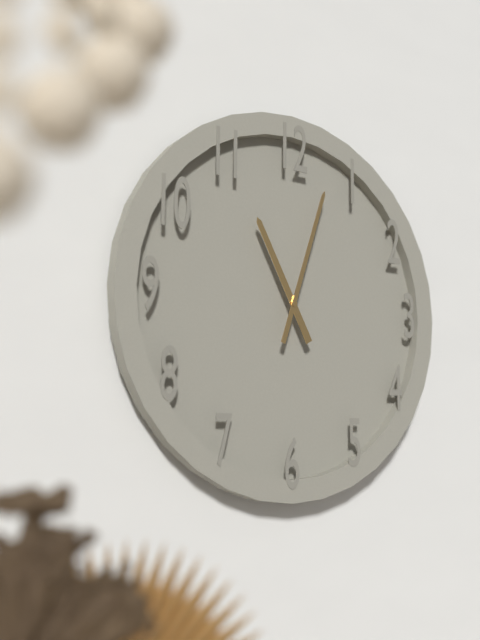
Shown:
11:03
